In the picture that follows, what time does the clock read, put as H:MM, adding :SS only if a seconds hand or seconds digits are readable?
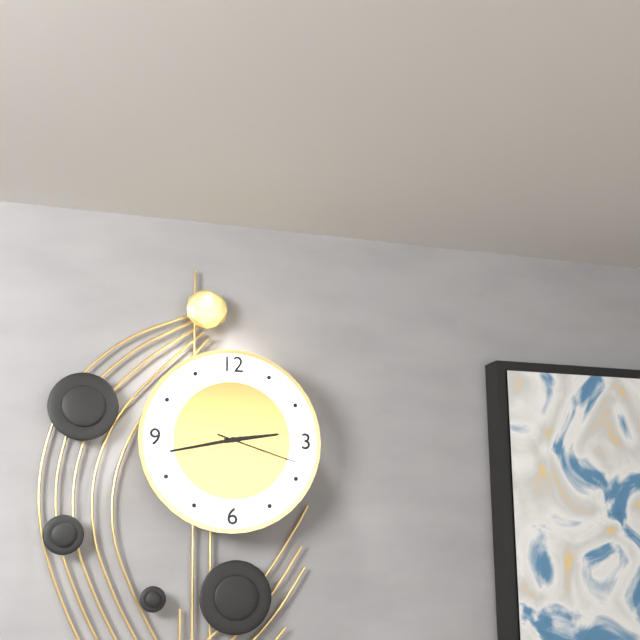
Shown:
2:43:18
